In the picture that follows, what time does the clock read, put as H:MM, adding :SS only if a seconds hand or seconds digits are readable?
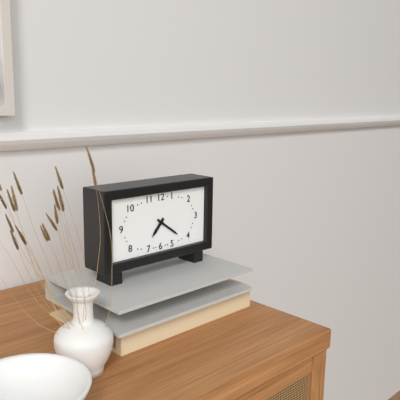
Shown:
7:21
